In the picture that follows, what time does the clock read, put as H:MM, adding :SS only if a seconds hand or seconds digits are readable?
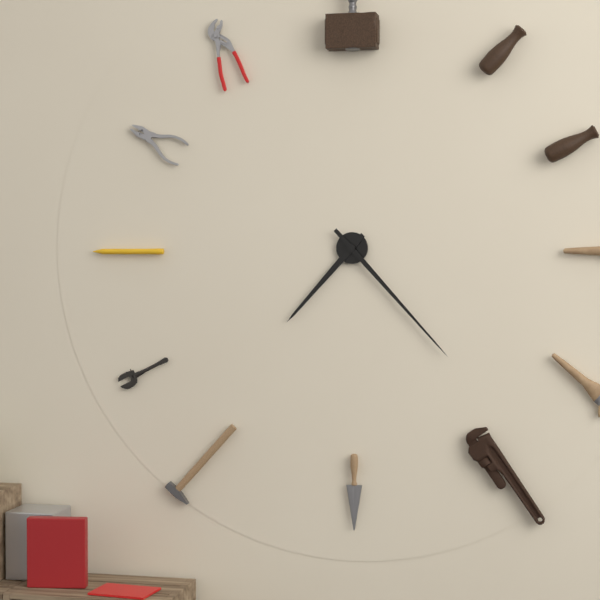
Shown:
7:23
